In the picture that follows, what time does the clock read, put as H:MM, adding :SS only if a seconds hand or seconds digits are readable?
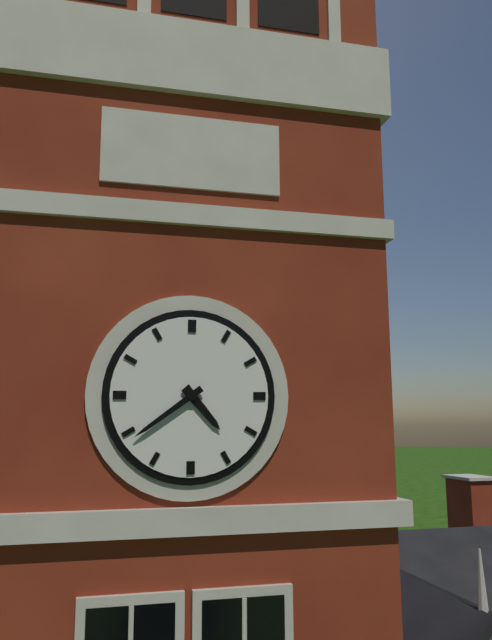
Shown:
4:39
